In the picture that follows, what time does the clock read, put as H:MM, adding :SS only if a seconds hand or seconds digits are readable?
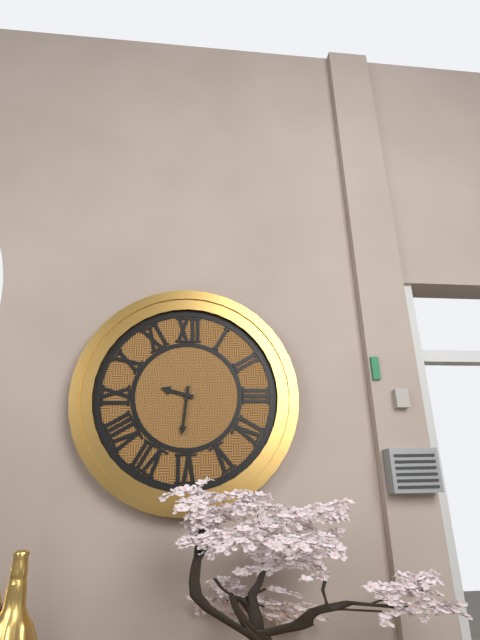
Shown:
9:31
